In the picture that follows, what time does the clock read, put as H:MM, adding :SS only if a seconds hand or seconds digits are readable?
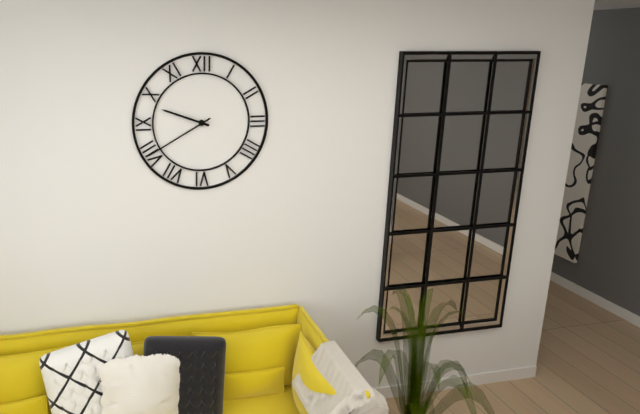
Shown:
9:40
